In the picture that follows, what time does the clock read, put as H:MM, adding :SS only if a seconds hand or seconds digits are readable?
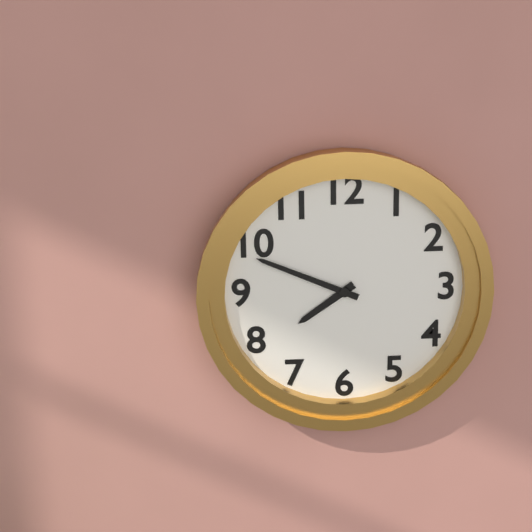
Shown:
7:49
